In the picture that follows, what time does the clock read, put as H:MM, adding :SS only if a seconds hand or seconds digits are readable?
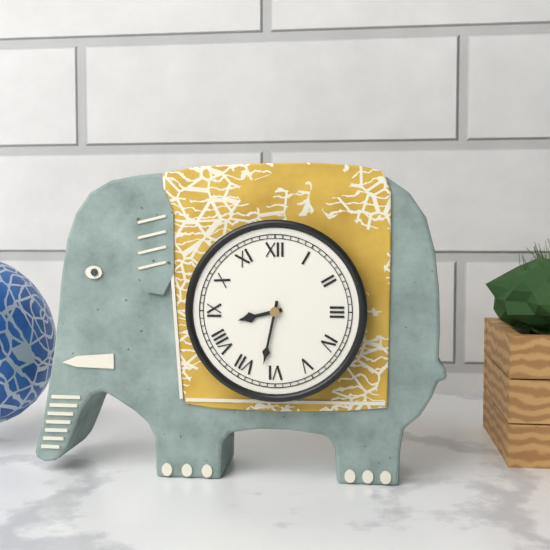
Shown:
8:32
